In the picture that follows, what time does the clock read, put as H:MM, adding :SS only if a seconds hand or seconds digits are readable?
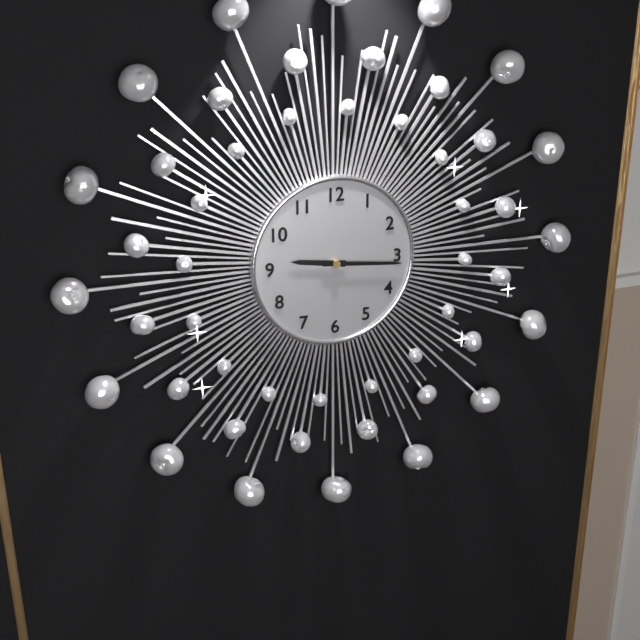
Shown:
9:16
